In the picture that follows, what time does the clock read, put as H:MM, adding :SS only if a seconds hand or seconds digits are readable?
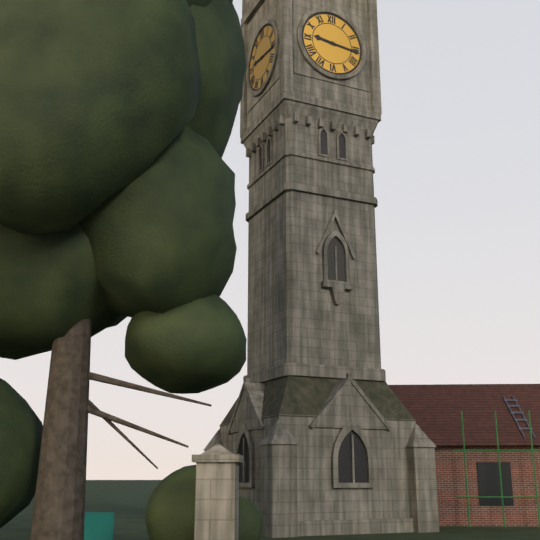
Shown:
9:16
